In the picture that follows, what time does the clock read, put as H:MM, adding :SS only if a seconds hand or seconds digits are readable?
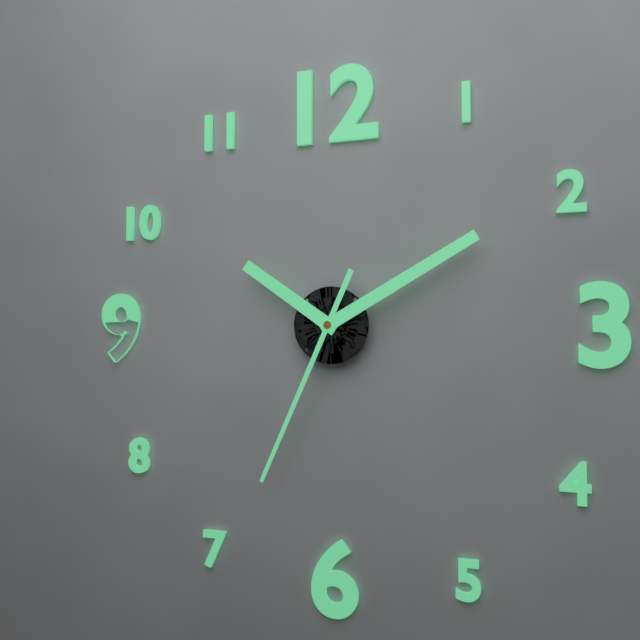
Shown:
10:10:34
